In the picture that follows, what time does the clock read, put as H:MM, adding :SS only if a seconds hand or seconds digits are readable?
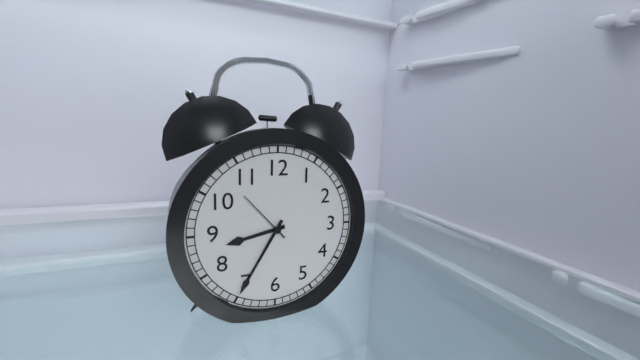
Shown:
8:35:53
